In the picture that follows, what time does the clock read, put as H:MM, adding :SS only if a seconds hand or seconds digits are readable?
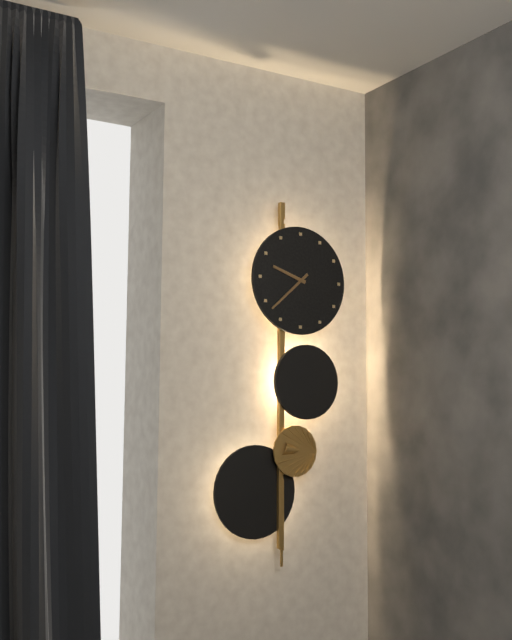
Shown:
9:38
